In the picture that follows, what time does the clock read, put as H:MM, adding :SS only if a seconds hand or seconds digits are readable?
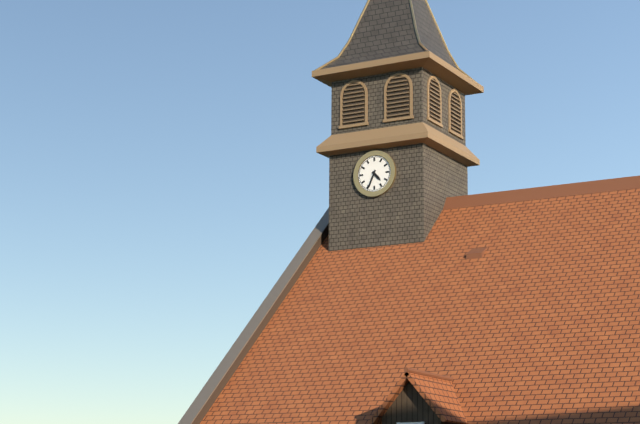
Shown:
4:34
